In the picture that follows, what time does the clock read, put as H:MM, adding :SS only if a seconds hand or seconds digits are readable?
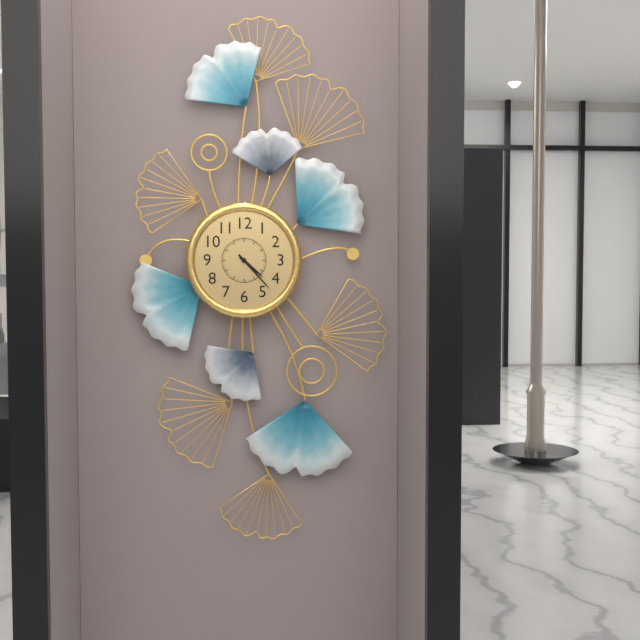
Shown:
4:23
